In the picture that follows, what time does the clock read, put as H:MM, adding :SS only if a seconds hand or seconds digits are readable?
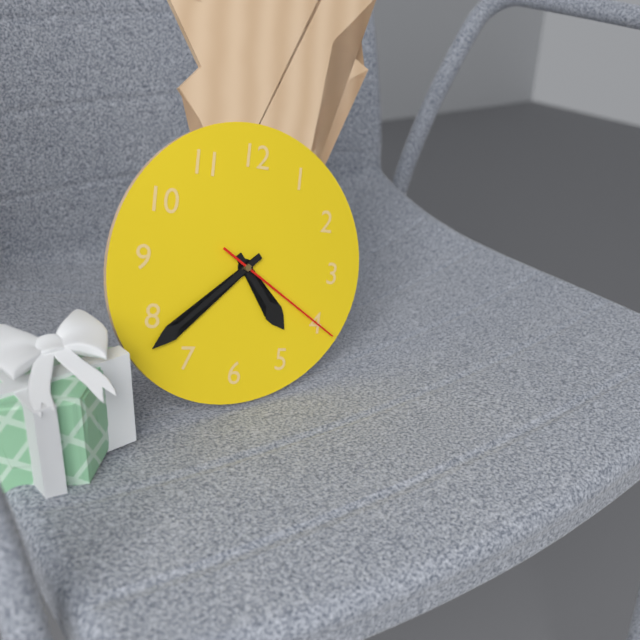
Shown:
4:38:20
